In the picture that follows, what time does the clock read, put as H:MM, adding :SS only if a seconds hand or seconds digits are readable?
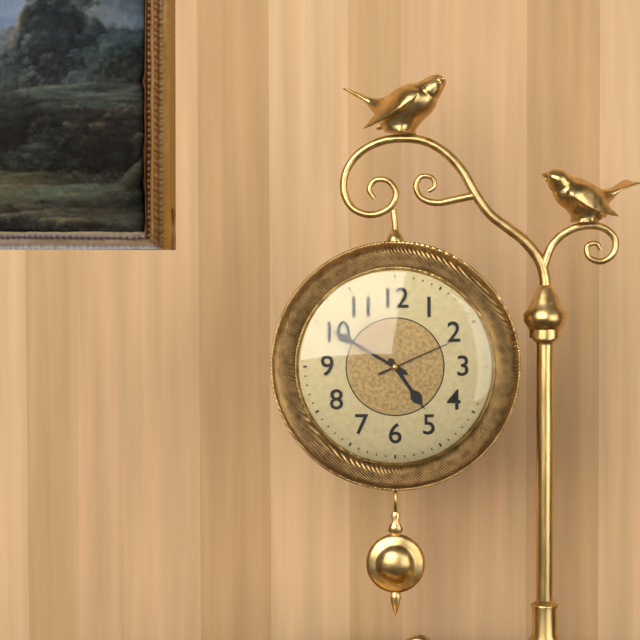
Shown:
4:50:11
